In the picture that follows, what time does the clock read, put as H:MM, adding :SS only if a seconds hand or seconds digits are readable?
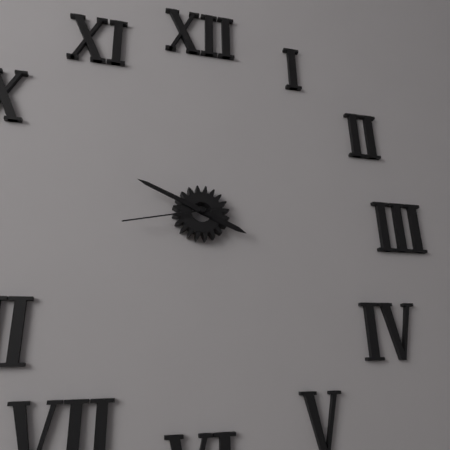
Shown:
3:49:43
